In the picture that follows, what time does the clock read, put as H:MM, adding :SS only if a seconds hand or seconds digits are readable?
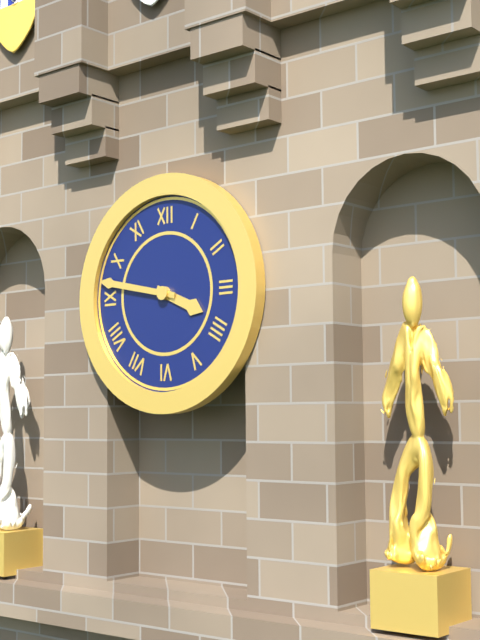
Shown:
3:47
